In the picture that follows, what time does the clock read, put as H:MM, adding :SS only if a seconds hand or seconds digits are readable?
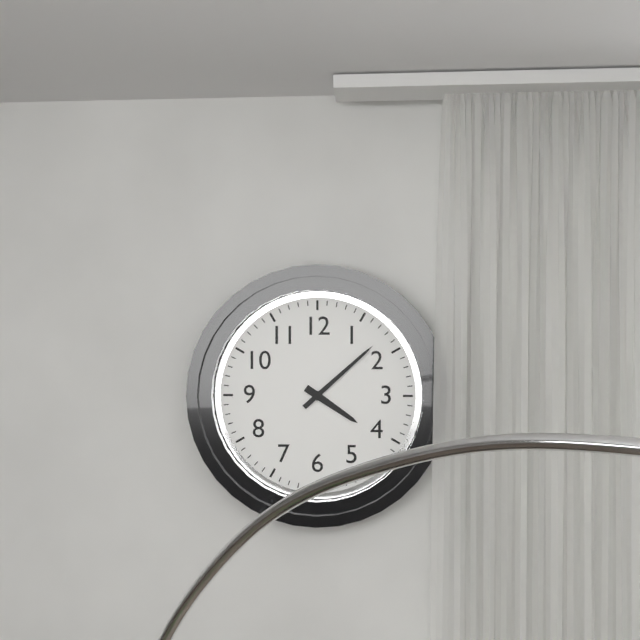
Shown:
4:08
